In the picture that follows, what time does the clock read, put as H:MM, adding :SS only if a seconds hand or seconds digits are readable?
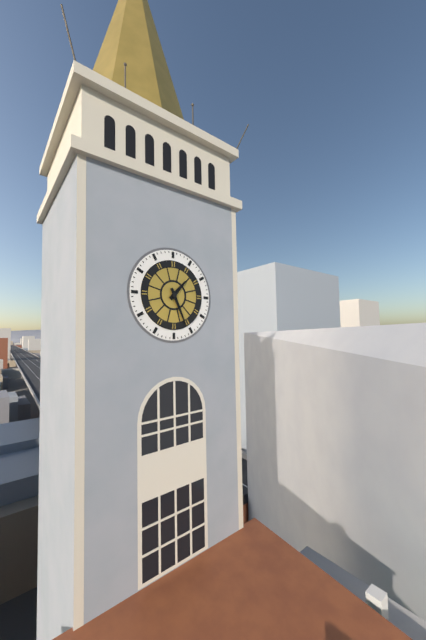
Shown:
1:26
